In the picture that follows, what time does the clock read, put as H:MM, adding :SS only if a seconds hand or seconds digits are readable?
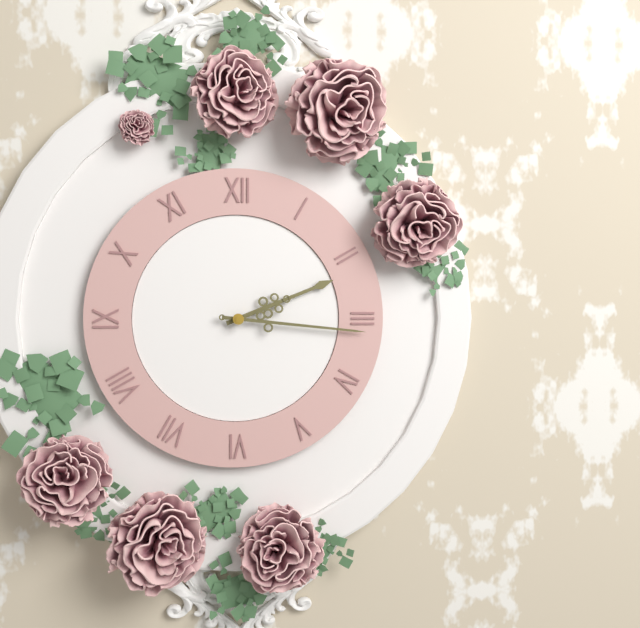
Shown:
2:16
